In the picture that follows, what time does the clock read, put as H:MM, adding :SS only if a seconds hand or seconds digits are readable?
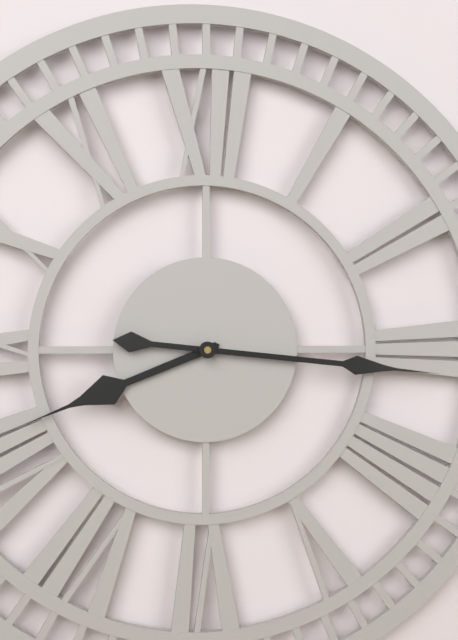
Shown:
8:16
